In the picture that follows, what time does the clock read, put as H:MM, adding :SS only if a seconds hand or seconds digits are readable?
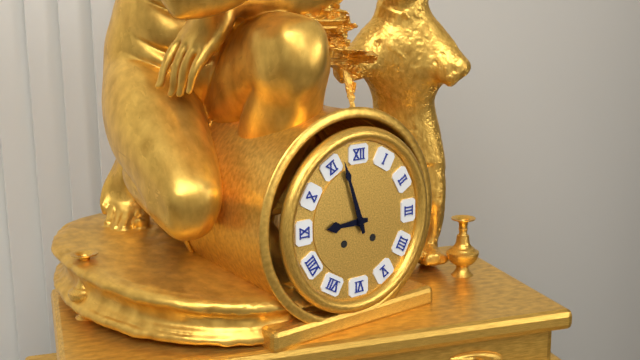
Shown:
8:57
